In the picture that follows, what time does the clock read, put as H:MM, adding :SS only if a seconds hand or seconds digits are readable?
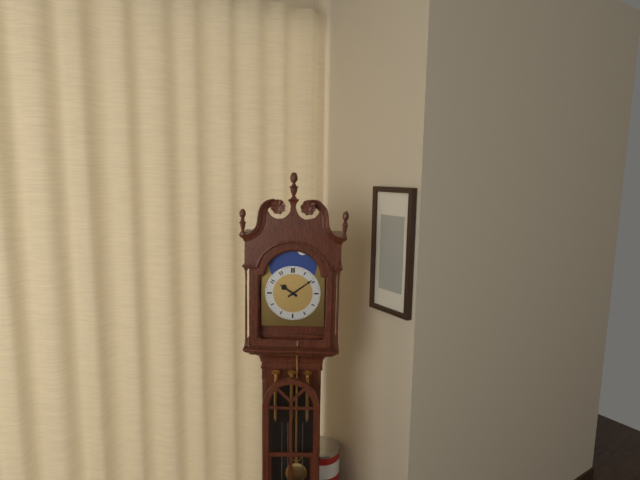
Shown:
10:09
